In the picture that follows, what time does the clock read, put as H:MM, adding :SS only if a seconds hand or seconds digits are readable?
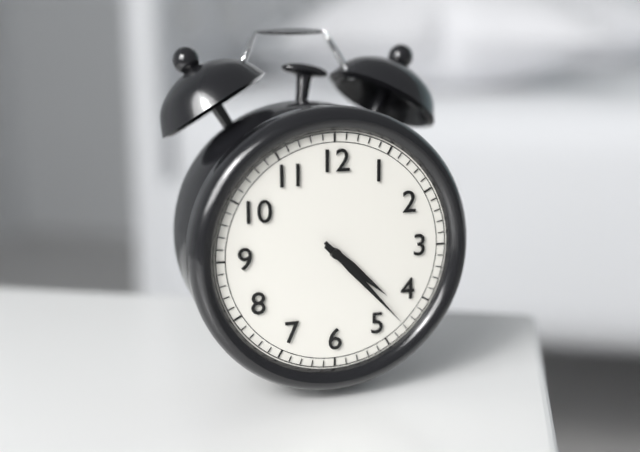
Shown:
4:23
